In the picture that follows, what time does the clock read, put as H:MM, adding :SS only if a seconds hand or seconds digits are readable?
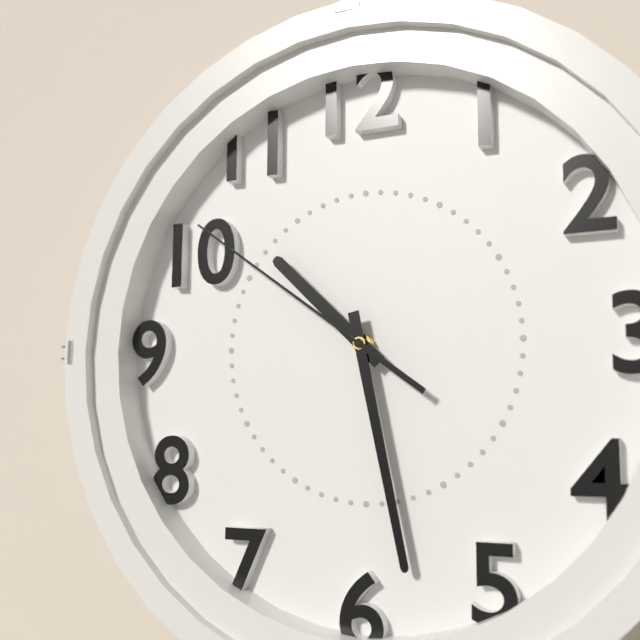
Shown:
10:28:51
